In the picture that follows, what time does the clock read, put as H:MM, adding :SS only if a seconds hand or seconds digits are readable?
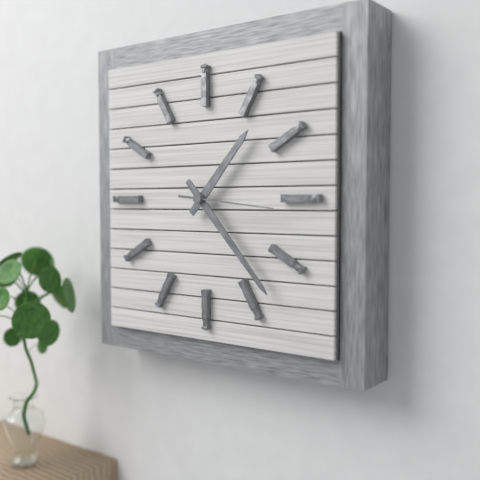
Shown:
1:23:16
